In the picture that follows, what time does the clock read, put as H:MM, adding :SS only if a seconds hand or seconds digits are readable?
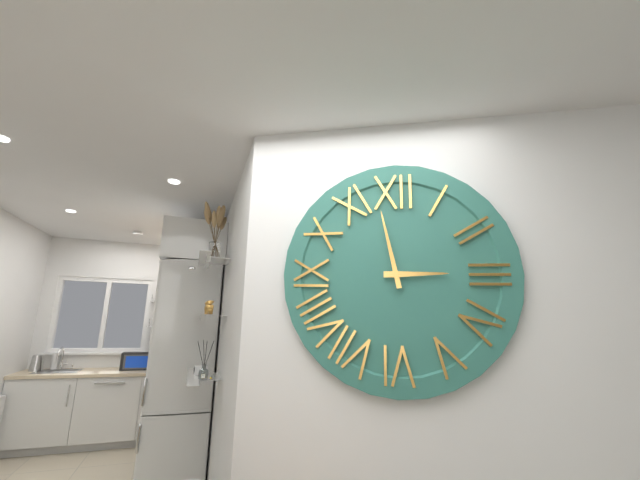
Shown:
2:58
